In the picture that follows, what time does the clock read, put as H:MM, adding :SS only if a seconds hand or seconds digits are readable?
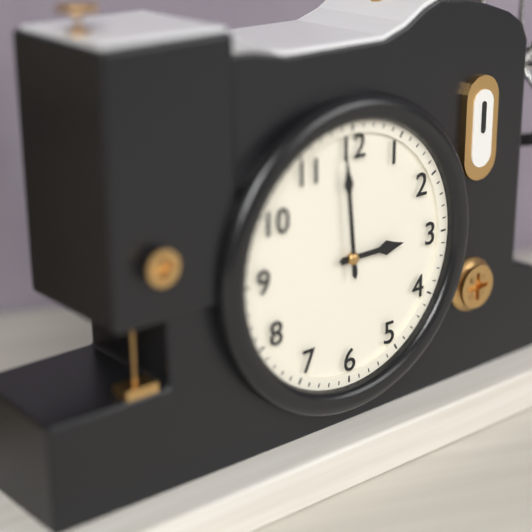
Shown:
2:59
